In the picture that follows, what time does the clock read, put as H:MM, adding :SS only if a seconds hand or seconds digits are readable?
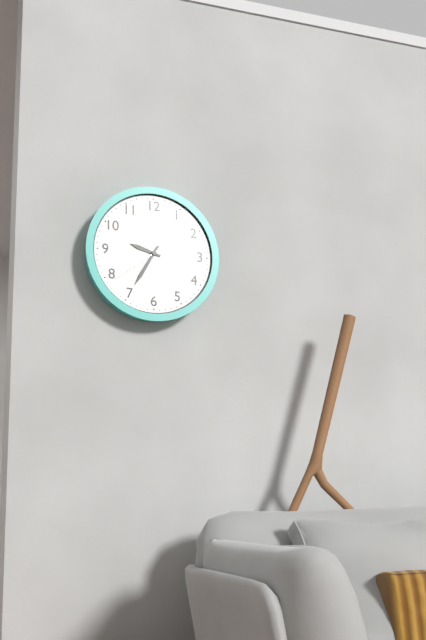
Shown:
9:35:39
